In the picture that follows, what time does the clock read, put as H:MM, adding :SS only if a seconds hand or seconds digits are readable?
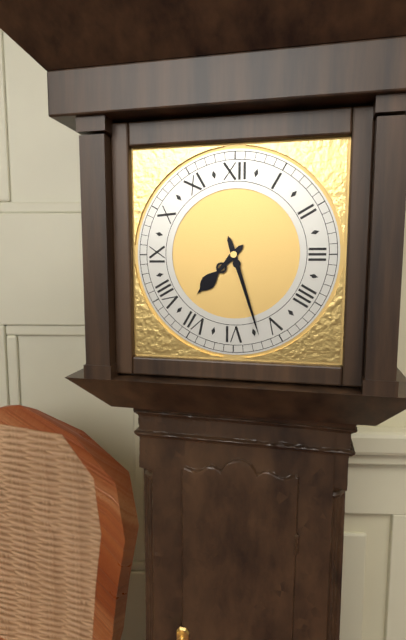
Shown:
7:27
